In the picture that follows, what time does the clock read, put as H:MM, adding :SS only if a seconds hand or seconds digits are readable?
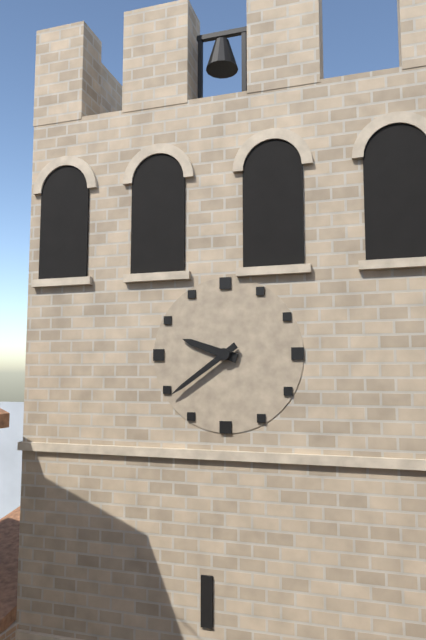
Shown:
9:39
